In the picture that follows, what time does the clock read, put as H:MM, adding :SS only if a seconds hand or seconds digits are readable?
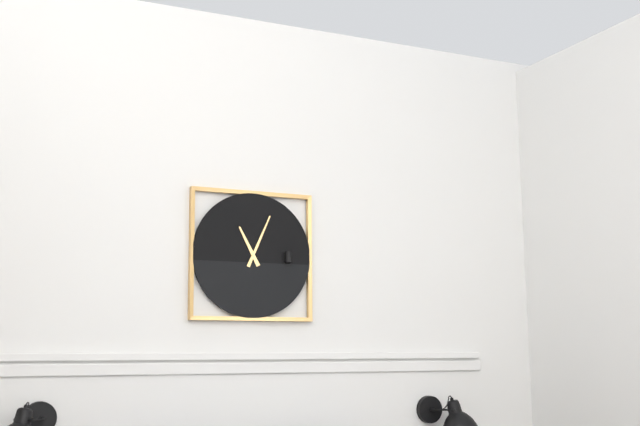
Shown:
11:04
